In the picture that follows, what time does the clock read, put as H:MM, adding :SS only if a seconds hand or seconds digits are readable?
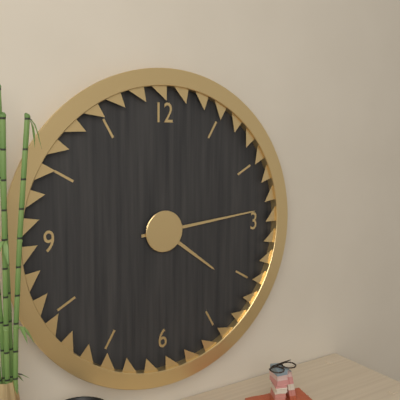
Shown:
4:14
